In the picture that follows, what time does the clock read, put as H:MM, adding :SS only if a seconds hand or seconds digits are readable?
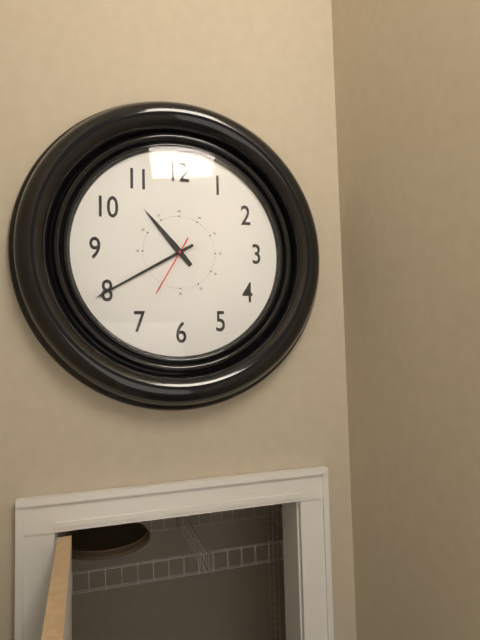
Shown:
10:40:35
